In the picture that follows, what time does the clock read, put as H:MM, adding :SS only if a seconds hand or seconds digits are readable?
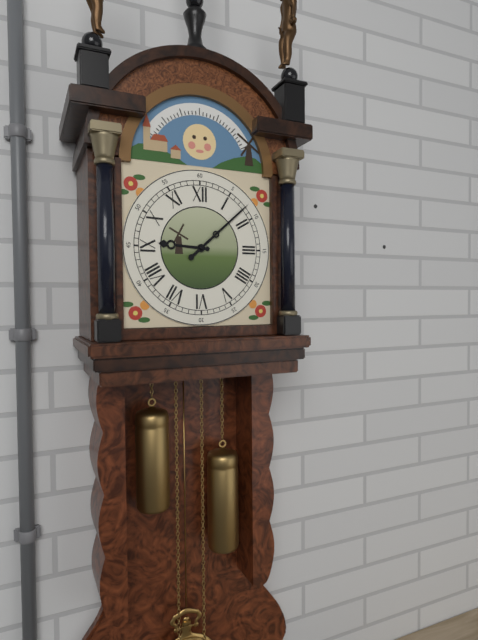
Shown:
9:08
